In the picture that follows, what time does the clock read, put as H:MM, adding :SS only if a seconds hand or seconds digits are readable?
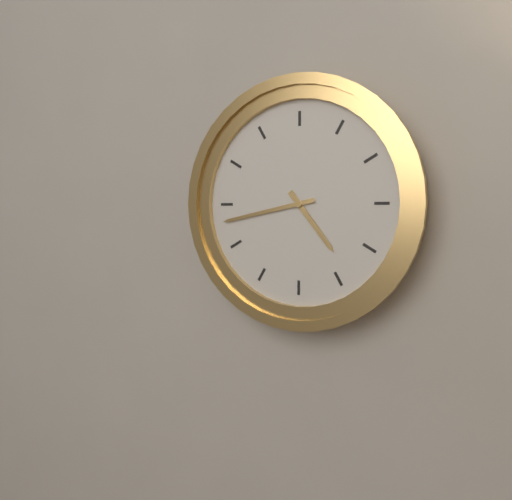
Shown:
4:43
